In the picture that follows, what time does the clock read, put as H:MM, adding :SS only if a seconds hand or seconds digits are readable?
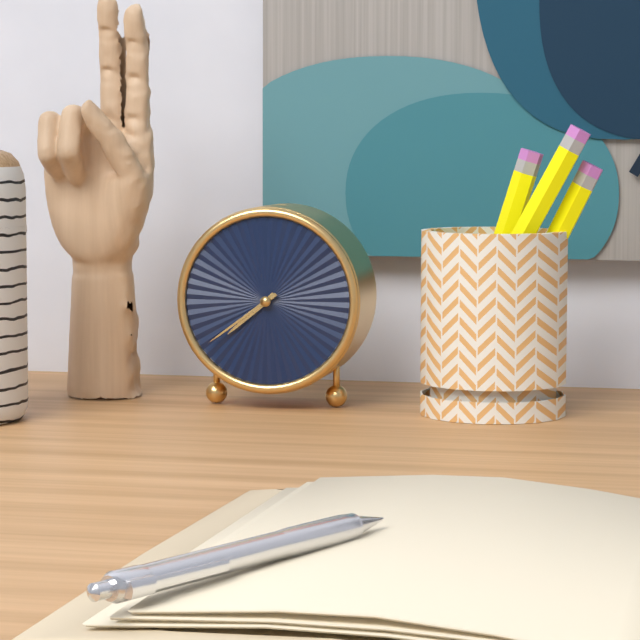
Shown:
7:39
